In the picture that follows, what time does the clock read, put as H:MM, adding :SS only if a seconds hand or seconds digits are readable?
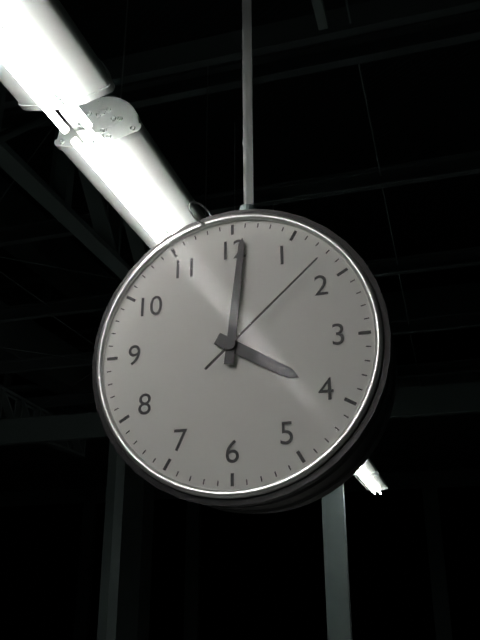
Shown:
4:01:08
